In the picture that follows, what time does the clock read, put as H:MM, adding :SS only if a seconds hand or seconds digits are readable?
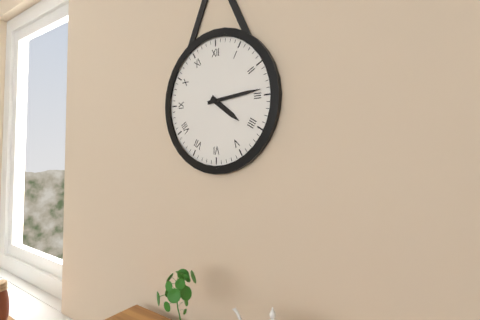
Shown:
4:14
